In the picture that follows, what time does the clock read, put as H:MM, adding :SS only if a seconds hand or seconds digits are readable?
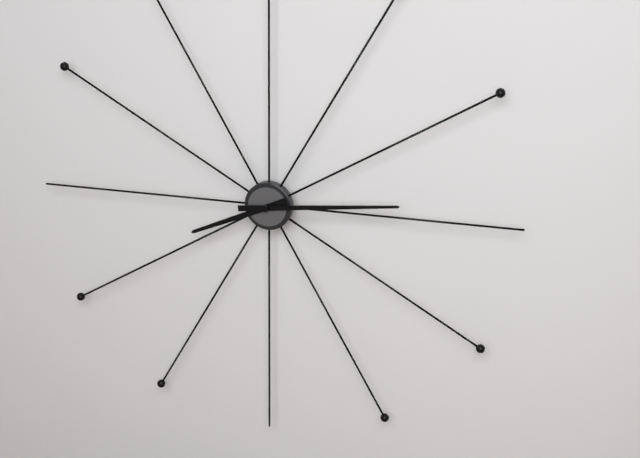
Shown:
8:14
